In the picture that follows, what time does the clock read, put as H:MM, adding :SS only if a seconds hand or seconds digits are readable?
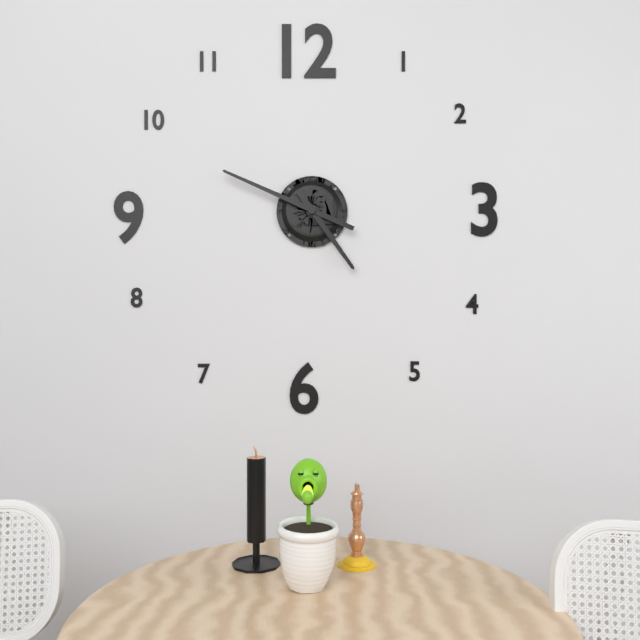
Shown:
4:49
